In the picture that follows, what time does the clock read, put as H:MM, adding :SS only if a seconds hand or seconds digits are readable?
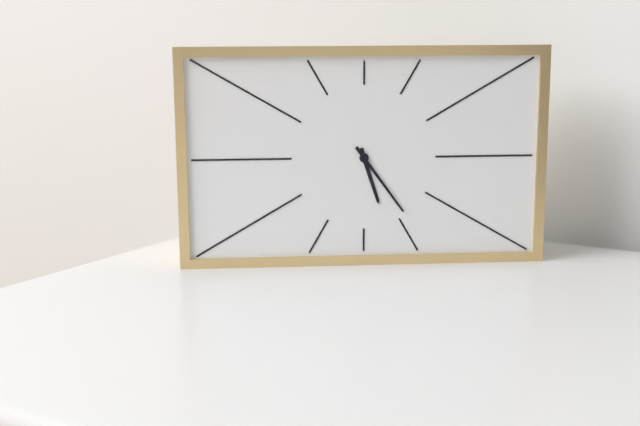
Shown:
5:24
